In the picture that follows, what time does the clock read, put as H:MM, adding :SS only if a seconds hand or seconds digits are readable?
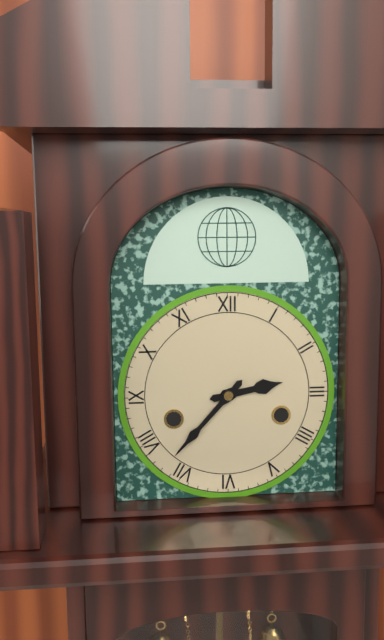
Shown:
2:37
